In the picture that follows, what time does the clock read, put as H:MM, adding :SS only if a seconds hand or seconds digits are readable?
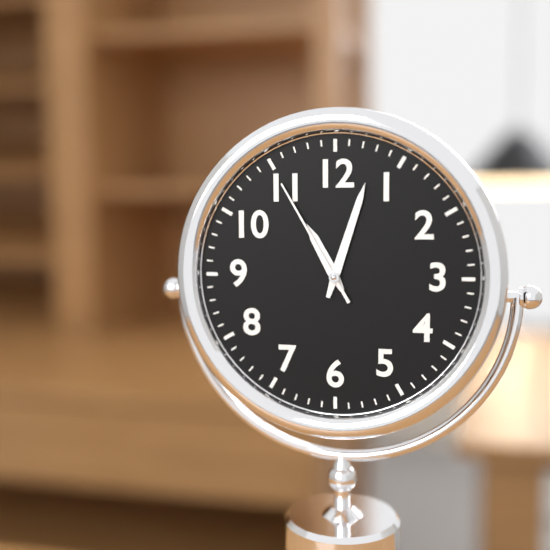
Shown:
11:03:55
